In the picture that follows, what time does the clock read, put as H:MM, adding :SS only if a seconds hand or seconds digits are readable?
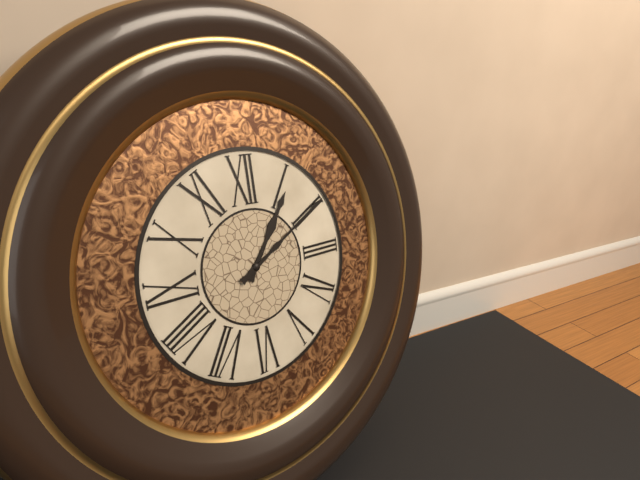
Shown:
1:10
